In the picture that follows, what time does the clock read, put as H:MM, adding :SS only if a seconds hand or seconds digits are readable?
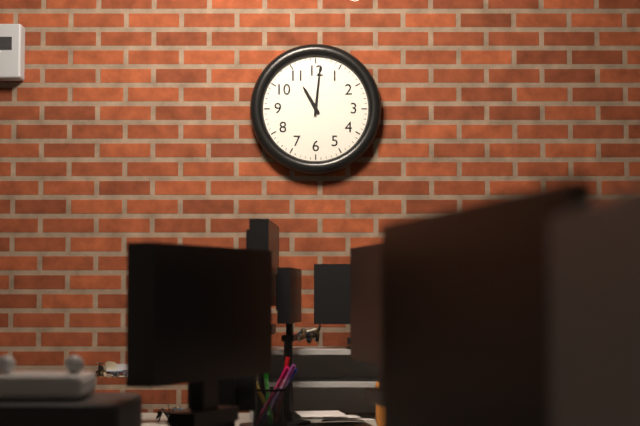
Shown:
11:01
